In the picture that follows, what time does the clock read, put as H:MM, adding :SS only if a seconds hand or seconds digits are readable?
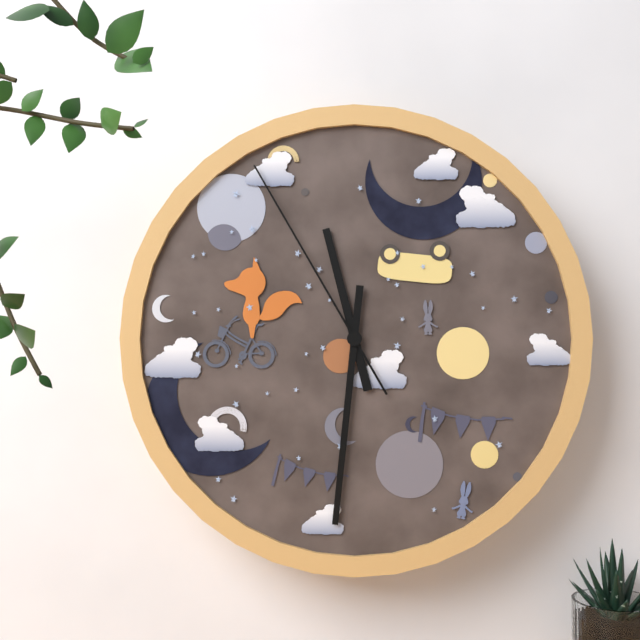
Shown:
11:31:55
